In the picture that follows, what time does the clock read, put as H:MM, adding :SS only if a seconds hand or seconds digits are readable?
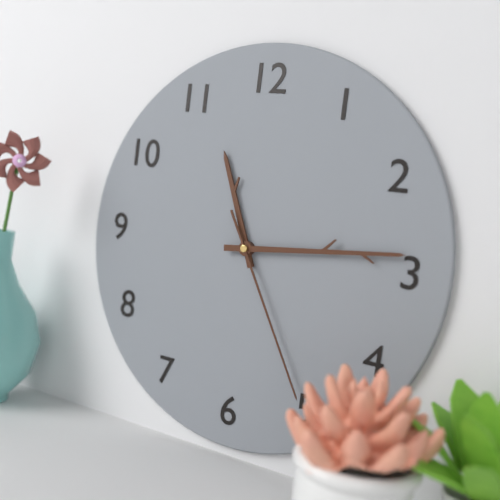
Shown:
11:14:25
